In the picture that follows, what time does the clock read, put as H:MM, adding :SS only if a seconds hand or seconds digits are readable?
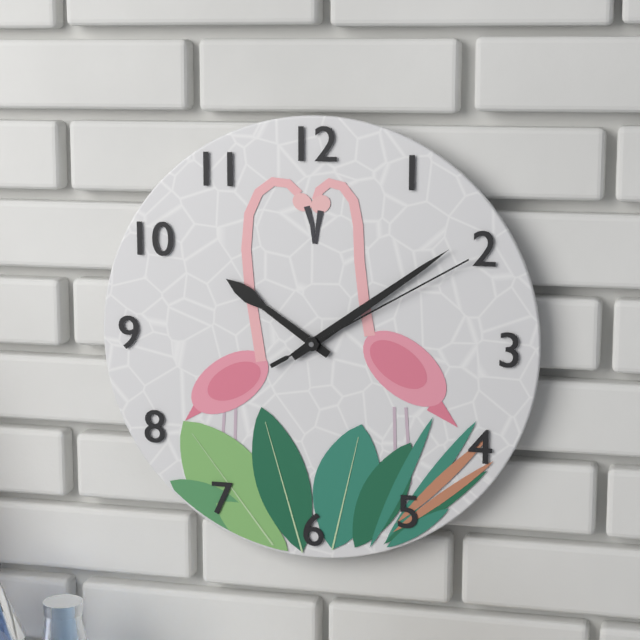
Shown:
10:09:10
